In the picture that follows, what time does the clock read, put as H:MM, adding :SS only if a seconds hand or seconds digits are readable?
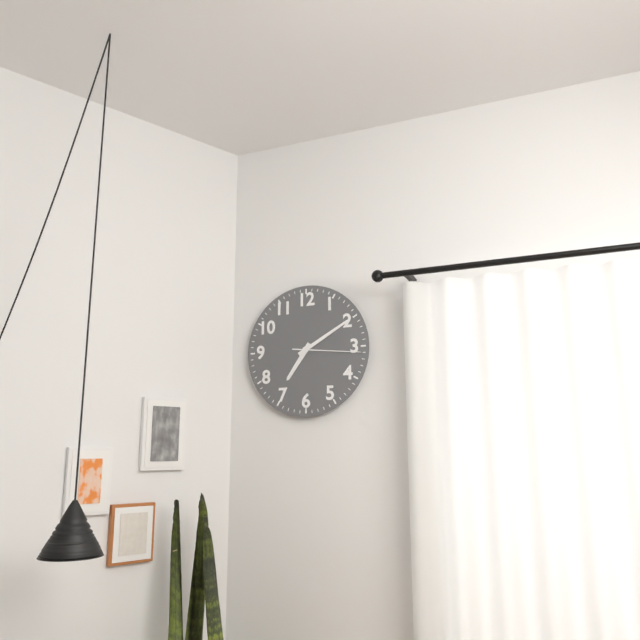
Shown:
7:10:16
